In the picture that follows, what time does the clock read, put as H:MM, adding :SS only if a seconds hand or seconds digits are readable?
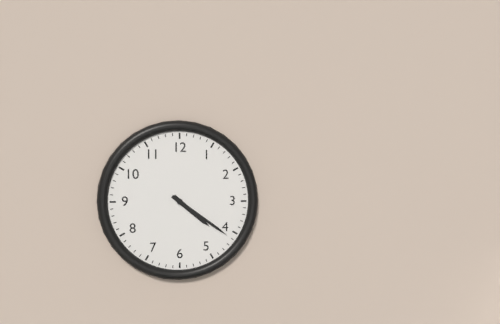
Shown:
4:21
